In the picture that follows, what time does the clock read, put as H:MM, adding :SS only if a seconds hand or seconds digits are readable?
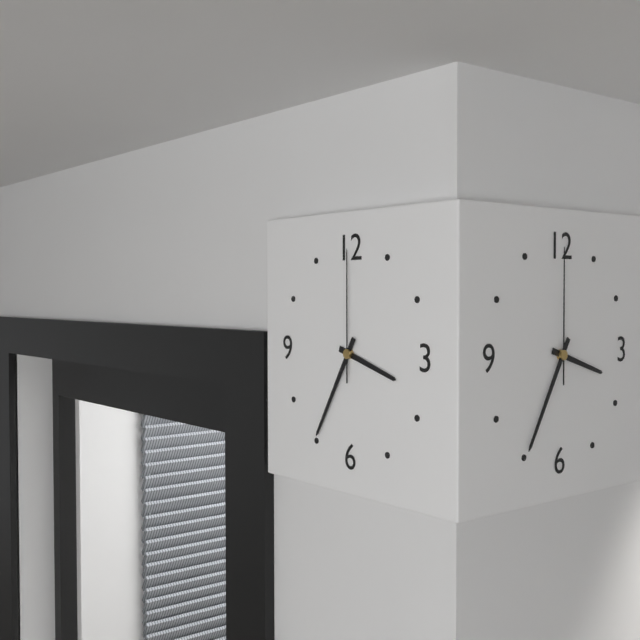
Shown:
3:35:00
